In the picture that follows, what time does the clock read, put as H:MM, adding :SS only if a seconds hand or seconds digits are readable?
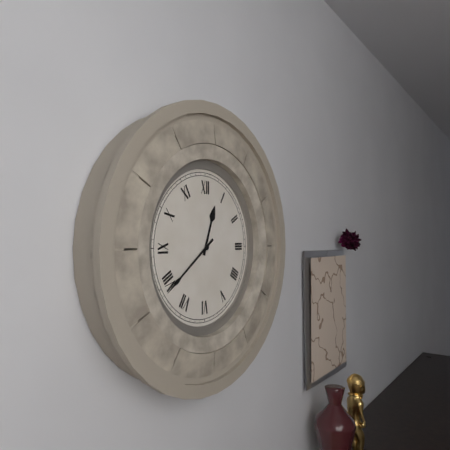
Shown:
12:39
